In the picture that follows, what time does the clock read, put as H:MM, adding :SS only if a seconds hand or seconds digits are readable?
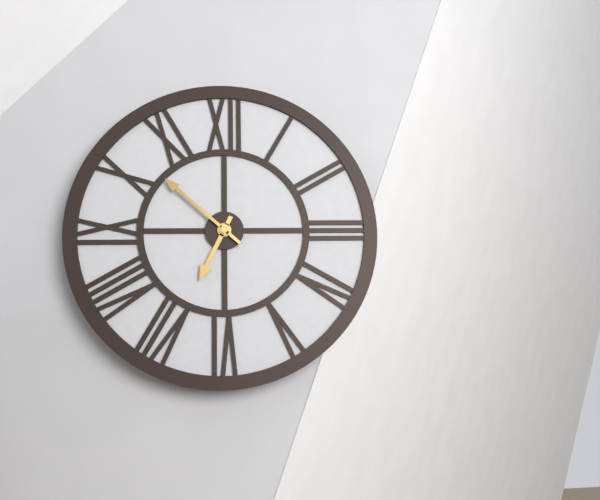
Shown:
6:52
